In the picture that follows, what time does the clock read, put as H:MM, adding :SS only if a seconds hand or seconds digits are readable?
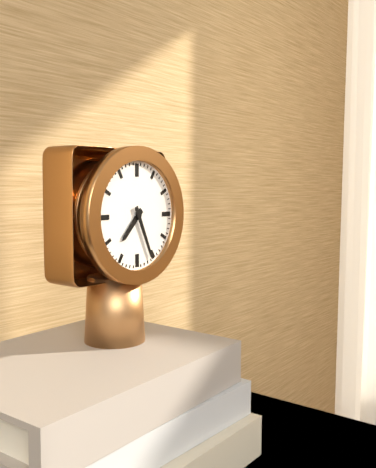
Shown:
7:26
